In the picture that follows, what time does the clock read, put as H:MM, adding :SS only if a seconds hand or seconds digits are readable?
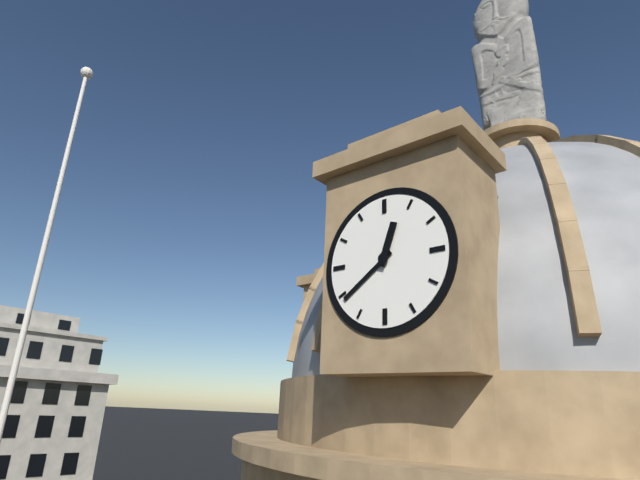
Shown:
12:39
